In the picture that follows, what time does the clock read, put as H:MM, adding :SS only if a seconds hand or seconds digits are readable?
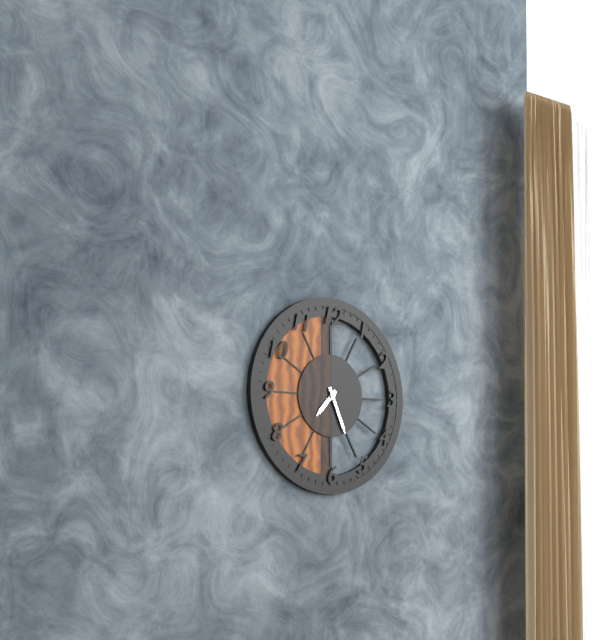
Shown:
7:26
